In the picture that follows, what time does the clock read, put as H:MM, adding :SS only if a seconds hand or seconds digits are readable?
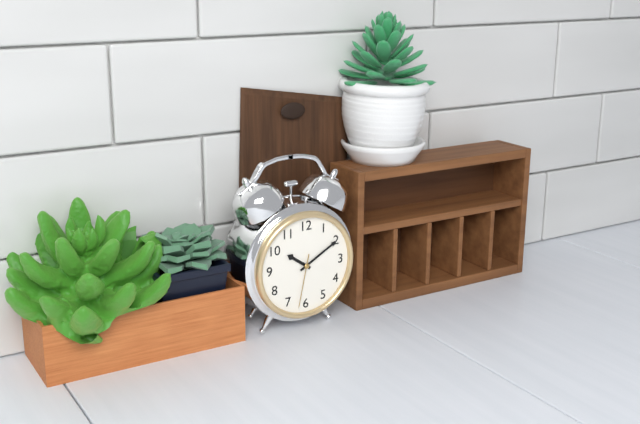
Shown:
10:10:32
